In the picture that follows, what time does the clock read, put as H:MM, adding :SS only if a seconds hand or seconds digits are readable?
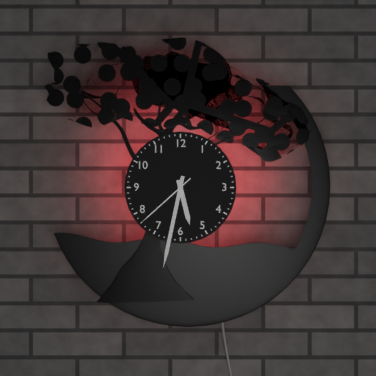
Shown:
5:32:38
